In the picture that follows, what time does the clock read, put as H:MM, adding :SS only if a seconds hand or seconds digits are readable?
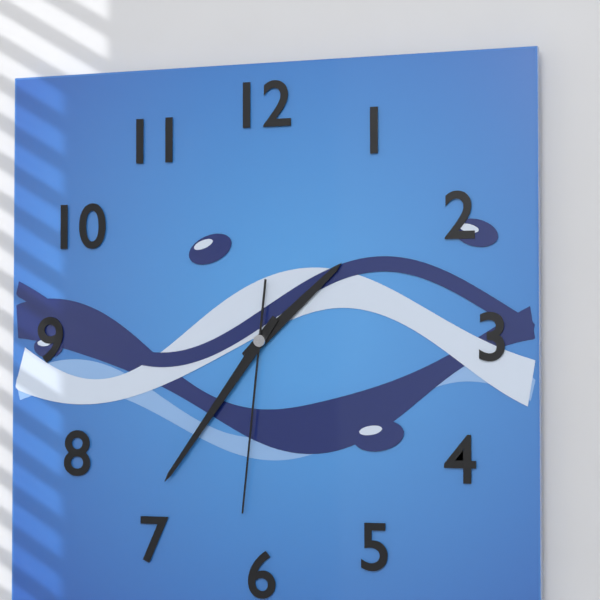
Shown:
1:36:31
